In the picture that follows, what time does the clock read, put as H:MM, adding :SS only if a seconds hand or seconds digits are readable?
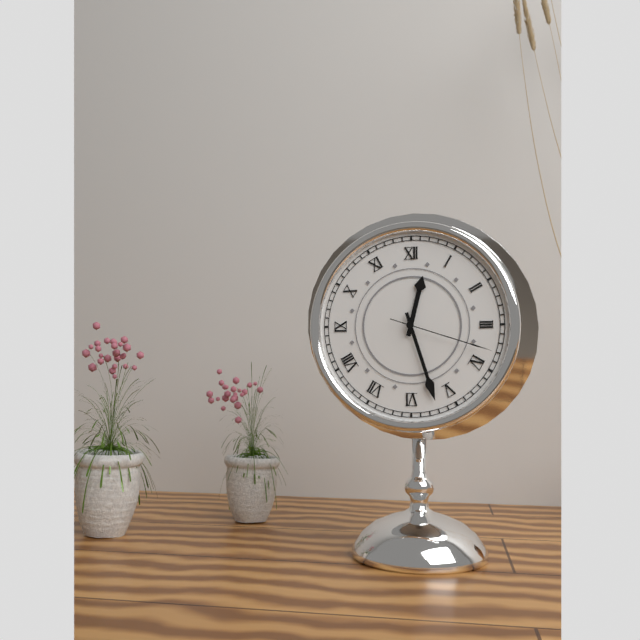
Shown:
12:27:18
